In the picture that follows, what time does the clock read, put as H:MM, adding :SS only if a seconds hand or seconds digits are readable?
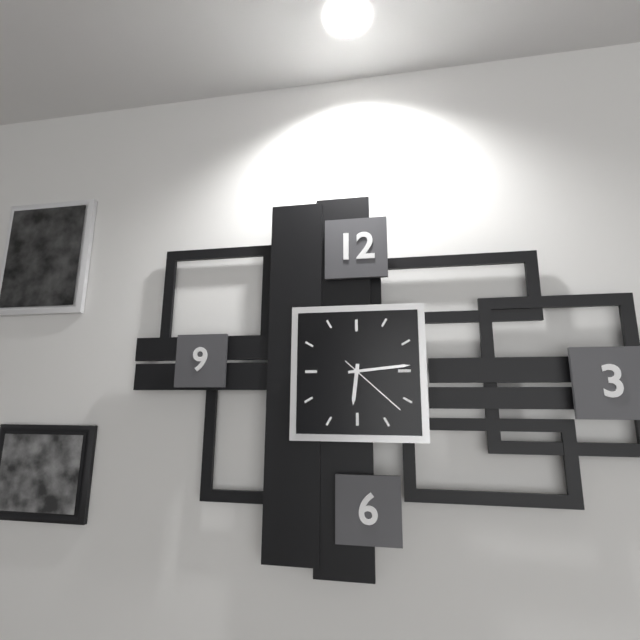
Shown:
6:14:22
